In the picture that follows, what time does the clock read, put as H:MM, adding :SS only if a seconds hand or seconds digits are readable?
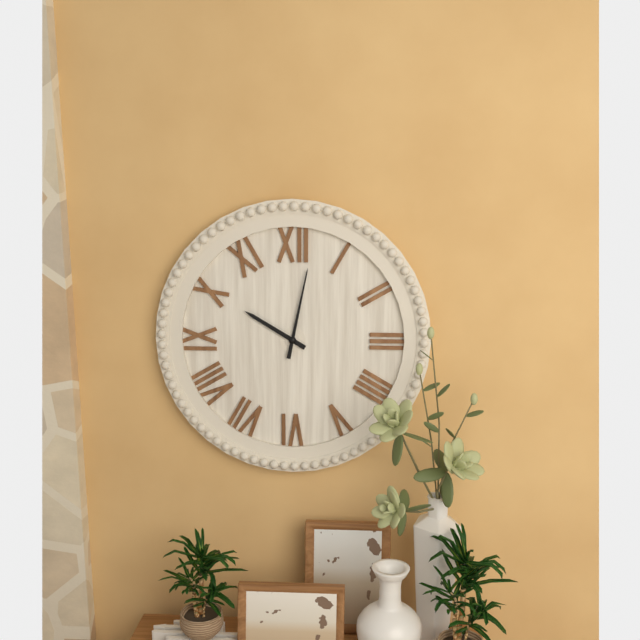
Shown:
10:02
